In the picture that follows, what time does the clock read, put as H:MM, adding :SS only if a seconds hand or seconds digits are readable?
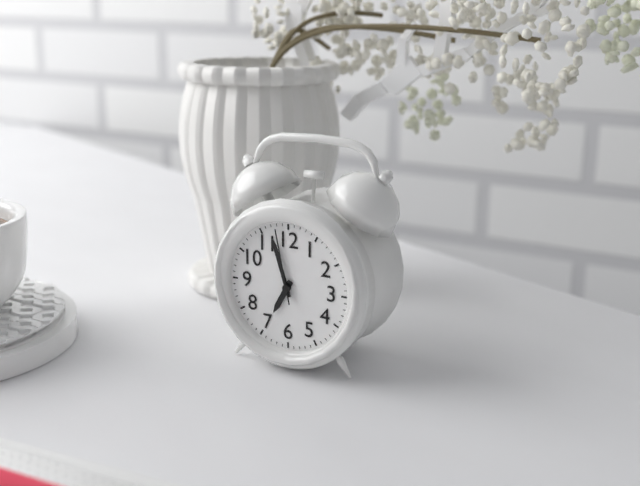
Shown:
6:57:58
